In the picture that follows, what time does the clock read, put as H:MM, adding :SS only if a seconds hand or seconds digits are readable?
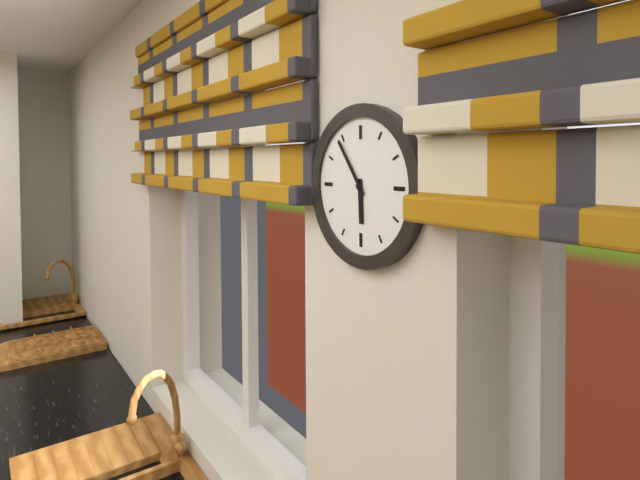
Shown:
5:54
